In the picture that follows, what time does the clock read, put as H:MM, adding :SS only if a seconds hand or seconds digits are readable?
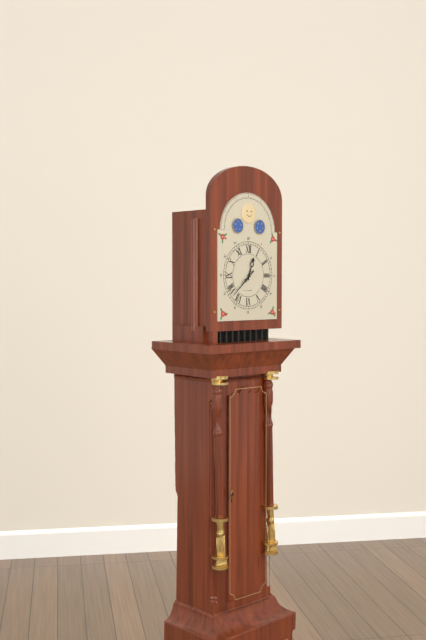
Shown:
12:38
